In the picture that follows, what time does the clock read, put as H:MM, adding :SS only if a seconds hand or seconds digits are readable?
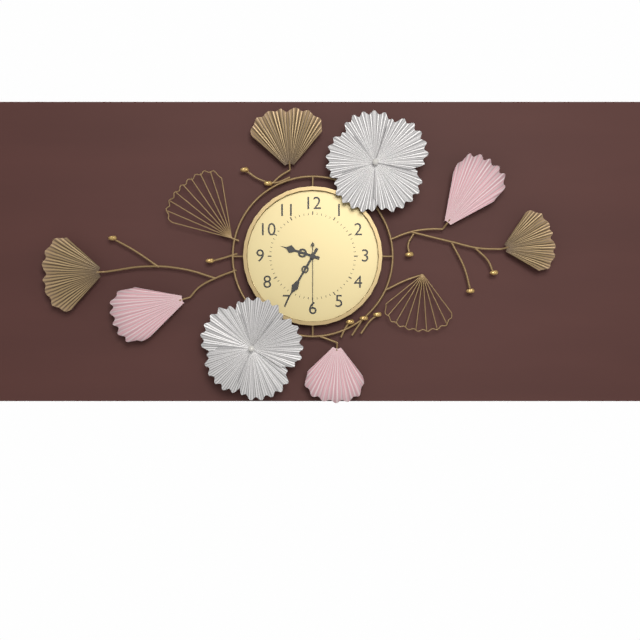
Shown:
9:35:30
